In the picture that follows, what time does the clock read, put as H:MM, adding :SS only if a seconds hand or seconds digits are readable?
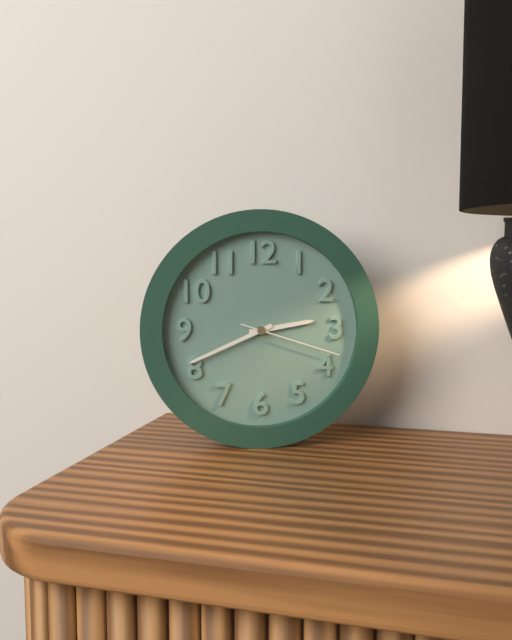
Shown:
2:41:18
